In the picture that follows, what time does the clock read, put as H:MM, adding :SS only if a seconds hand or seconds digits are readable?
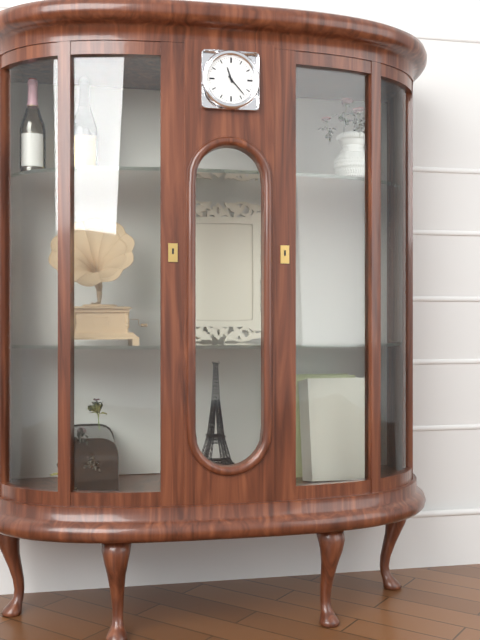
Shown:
11:23
